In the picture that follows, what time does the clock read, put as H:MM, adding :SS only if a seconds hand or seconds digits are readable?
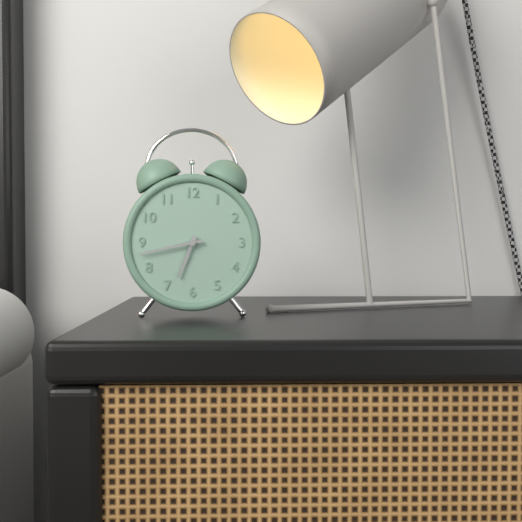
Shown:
6:43
